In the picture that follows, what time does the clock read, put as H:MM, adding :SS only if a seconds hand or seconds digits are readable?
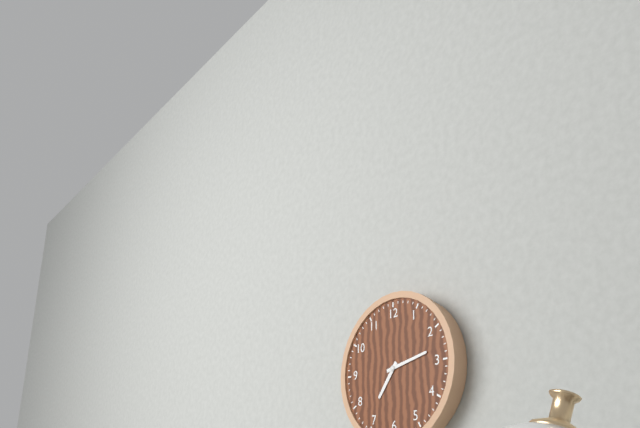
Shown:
7:13
